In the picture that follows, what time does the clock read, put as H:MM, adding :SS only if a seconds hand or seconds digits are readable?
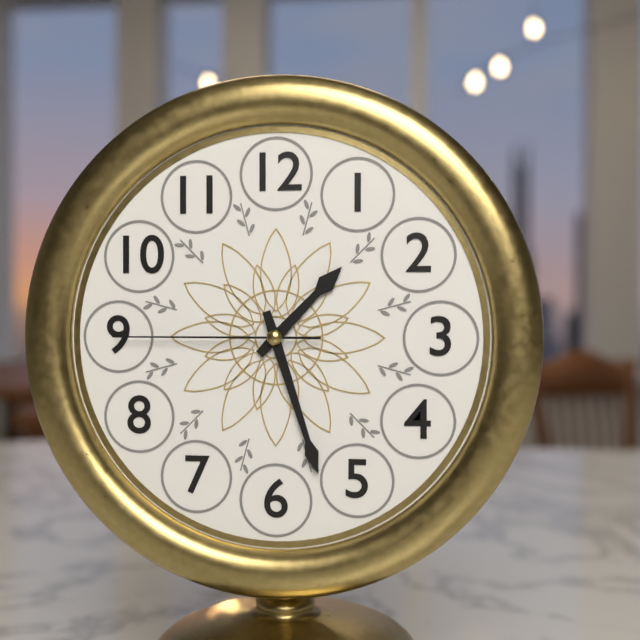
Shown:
1:27:45
